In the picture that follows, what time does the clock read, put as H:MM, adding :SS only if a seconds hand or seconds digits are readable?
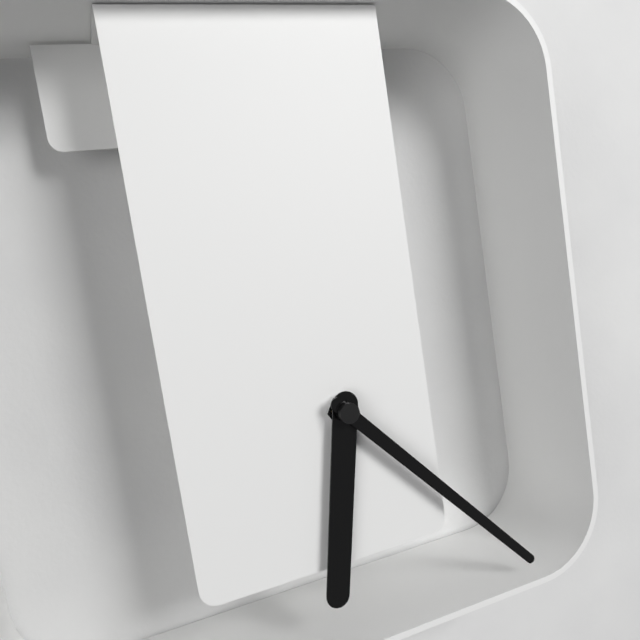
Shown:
6:23
